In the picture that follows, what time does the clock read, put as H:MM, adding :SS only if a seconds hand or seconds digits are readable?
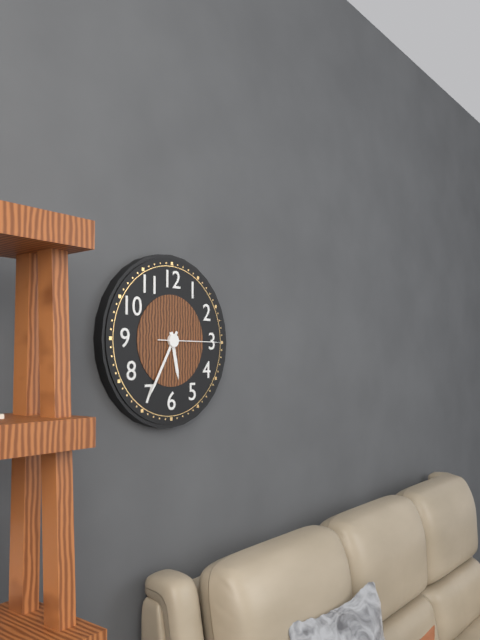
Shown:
5:35:15
